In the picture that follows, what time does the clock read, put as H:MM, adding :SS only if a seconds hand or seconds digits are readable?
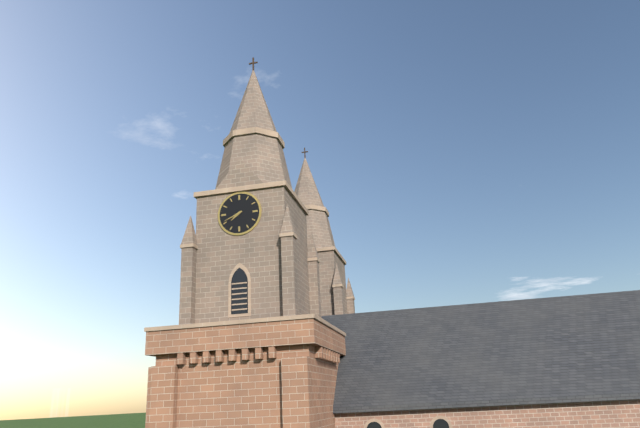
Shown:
7:41
